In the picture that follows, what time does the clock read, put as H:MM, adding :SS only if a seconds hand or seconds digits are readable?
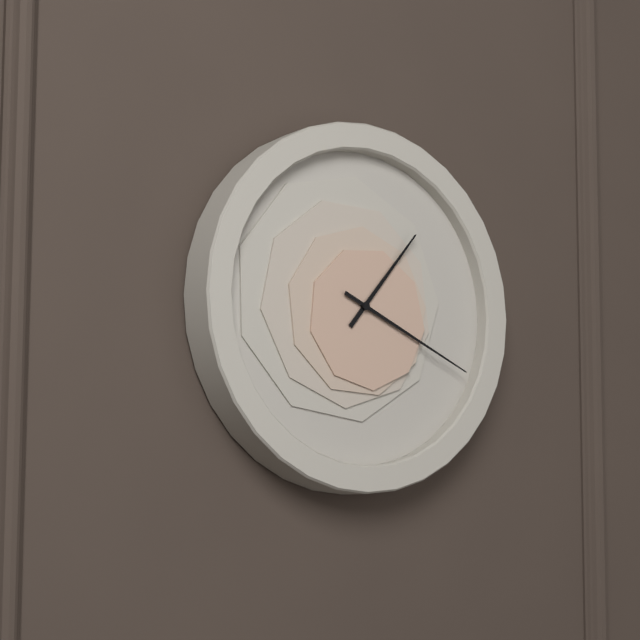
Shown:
1:19
